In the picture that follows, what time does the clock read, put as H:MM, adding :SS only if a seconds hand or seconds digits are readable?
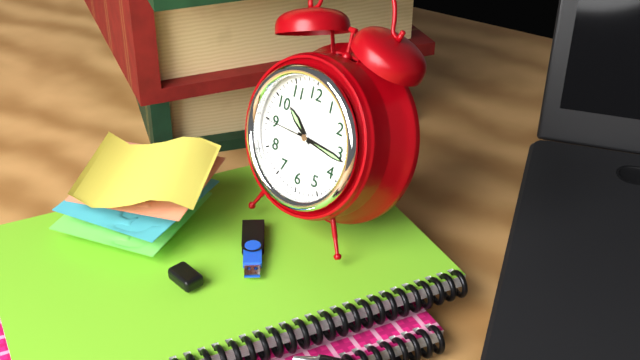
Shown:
10:16:45
